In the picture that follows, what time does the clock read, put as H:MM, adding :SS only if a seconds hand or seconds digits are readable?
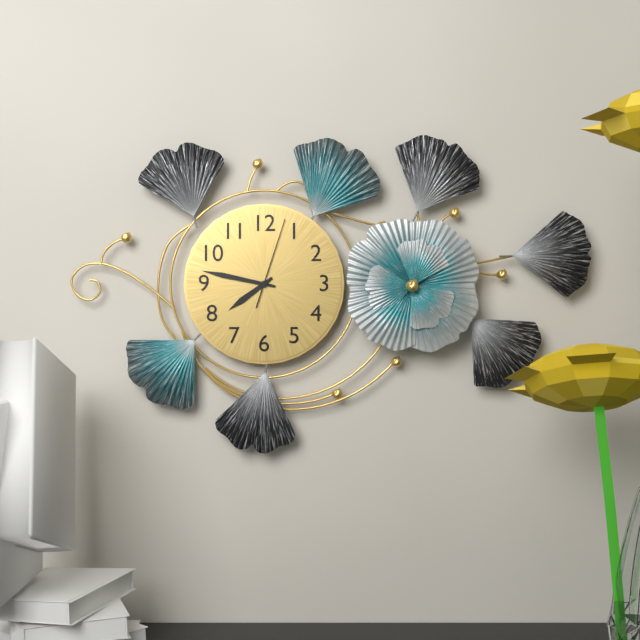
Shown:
7:47:03
